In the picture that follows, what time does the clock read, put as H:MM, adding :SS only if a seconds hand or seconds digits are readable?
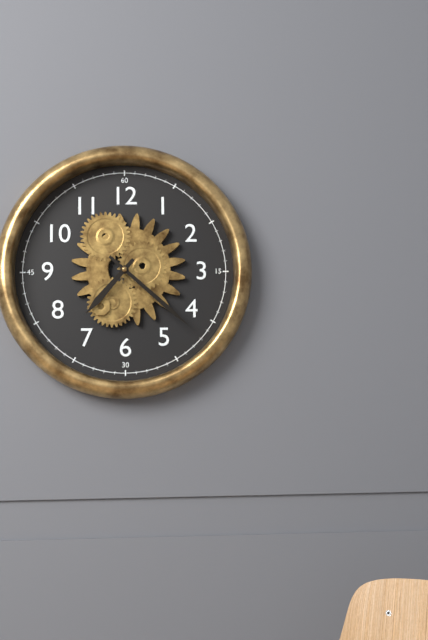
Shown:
7:22
